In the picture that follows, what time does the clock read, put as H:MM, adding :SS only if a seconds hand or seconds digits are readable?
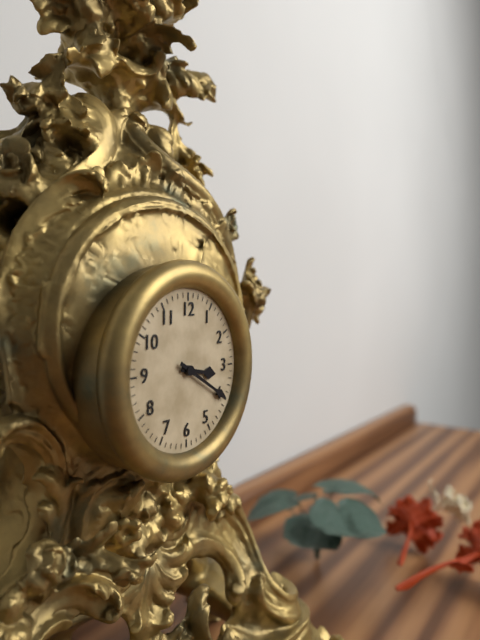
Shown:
3:20
